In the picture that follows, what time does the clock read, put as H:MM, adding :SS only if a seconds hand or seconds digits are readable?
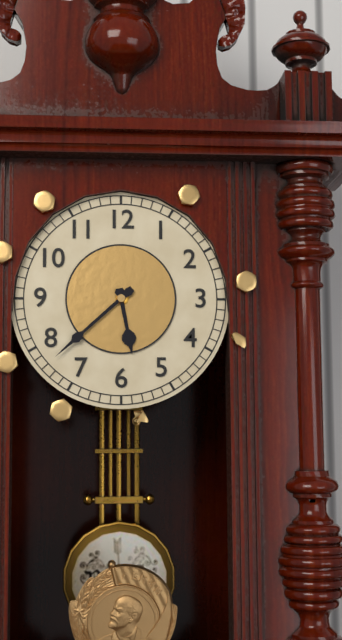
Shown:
5:38
